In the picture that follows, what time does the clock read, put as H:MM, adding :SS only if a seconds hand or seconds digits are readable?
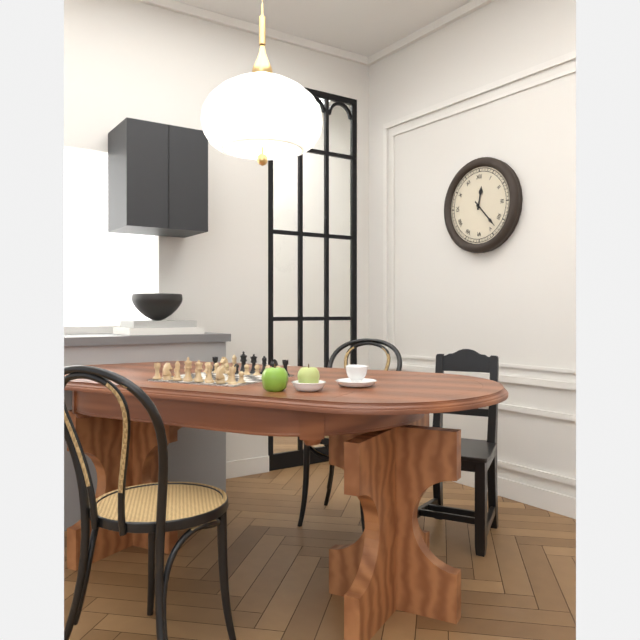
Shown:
12:23
